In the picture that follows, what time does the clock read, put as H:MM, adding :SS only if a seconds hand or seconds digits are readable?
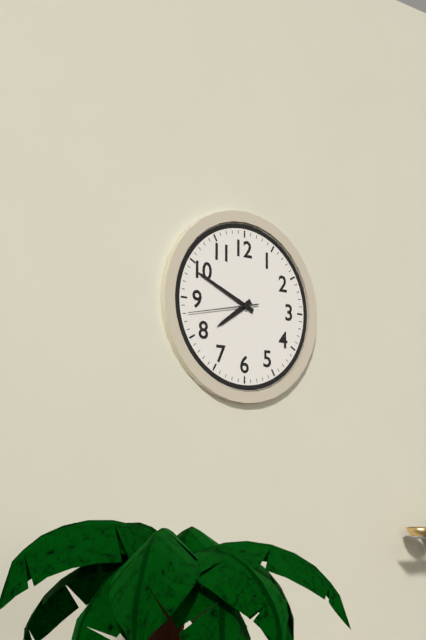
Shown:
7:49:43
